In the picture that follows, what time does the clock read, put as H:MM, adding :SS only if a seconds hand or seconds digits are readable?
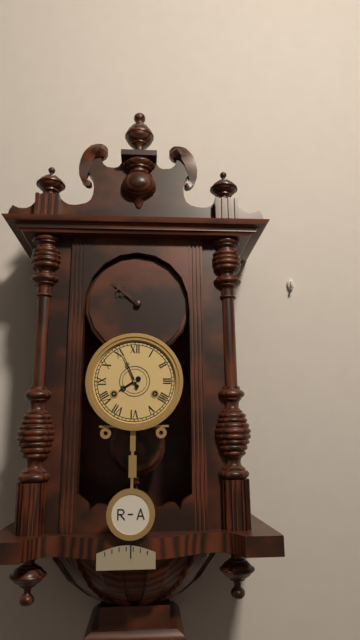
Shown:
7:56
